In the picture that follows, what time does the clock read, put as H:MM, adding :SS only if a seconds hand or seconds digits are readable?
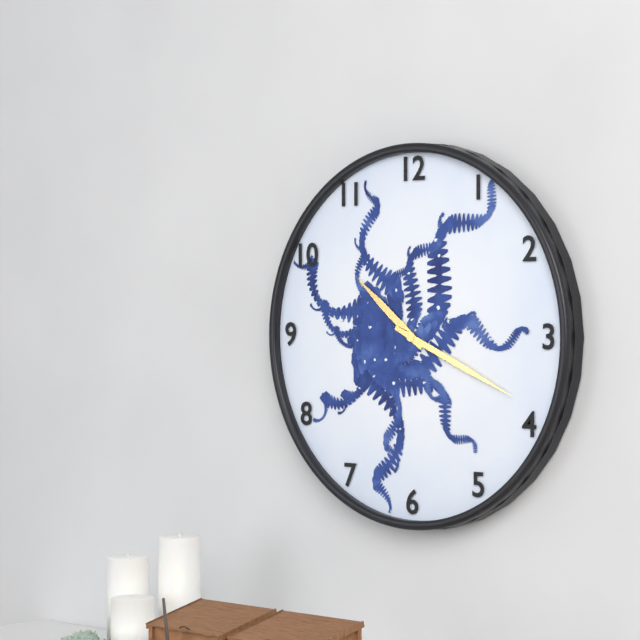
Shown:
10:19
